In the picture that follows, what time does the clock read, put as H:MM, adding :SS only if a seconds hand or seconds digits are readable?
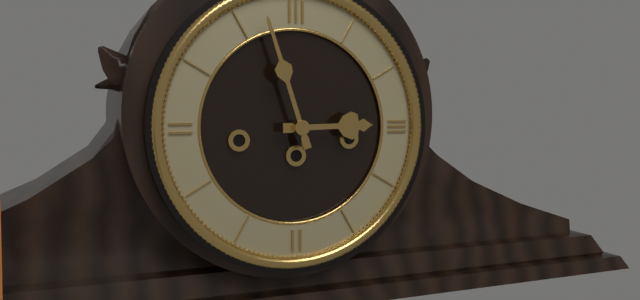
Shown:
2:57
